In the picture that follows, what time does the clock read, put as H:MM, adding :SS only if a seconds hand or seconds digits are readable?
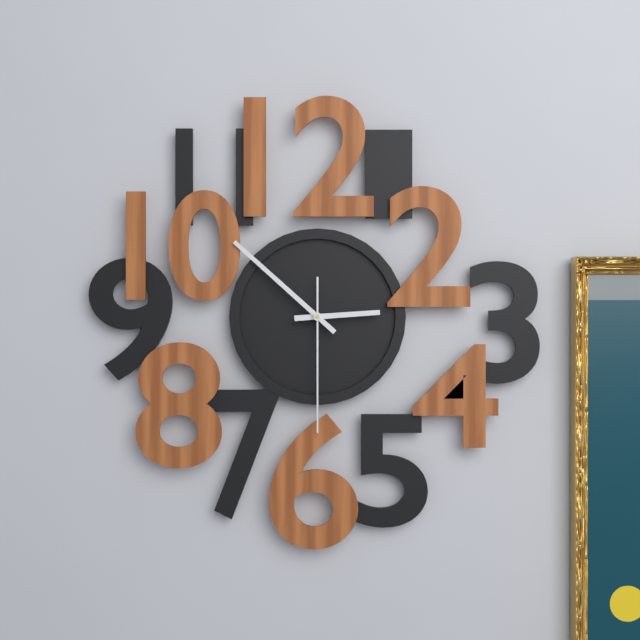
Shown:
2:52:30
